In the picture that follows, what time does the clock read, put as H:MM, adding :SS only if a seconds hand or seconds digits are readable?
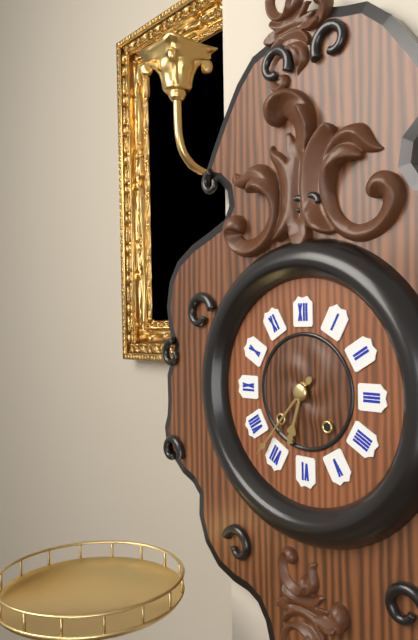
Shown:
6:37
